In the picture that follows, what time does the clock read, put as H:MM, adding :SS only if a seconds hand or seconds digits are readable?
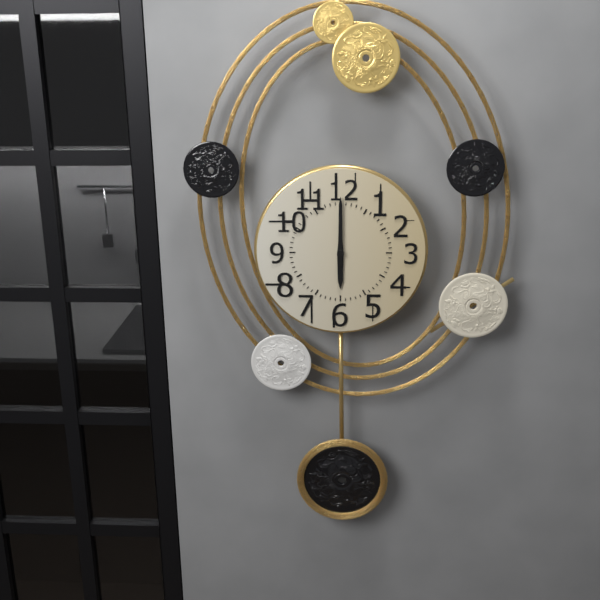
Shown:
6:00
